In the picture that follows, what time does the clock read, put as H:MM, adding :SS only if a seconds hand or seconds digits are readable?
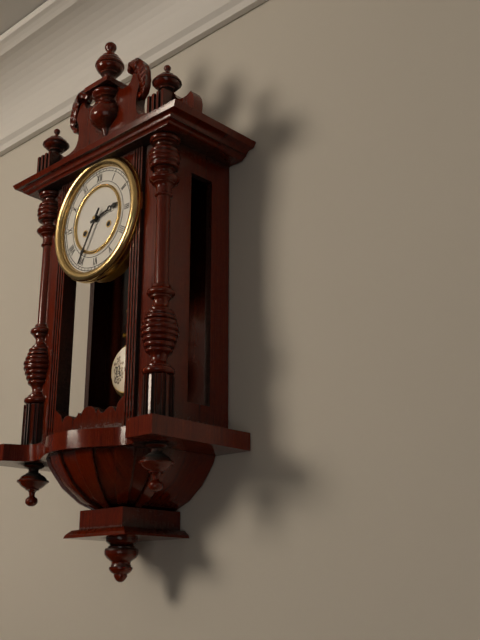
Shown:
2:35
